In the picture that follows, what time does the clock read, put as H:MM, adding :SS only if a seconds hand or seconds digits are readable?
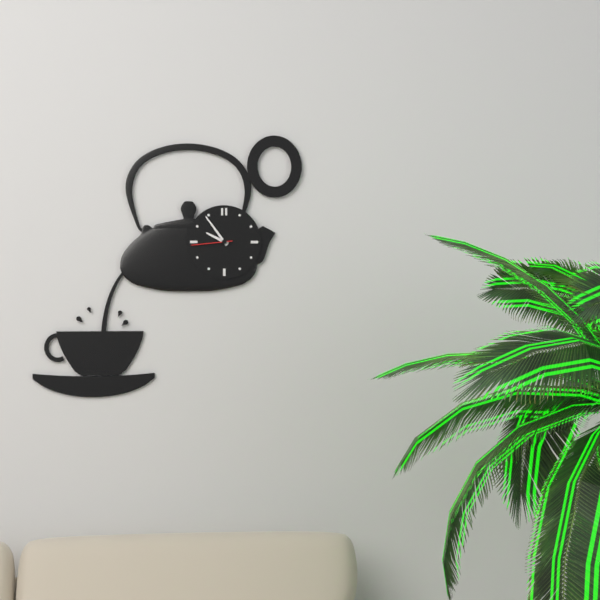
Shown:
9:54
